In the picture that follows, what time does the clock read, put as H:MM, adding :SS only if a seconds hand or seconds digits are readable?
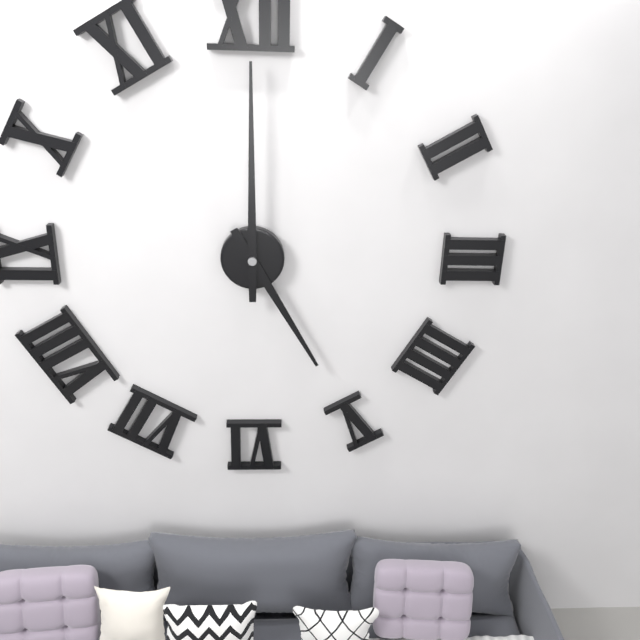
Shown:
5:00
